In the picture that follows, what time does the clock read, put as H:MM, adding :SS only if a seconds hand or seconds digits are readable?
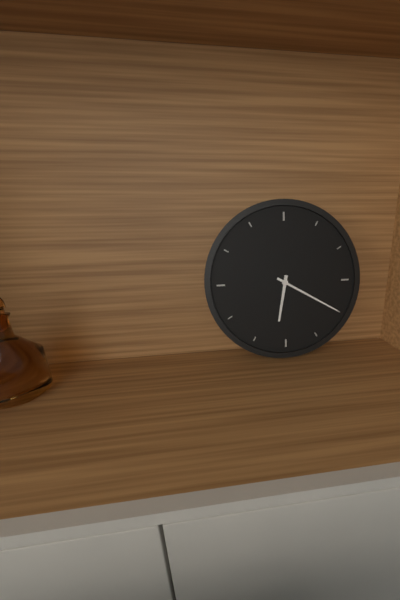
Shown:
6:20
